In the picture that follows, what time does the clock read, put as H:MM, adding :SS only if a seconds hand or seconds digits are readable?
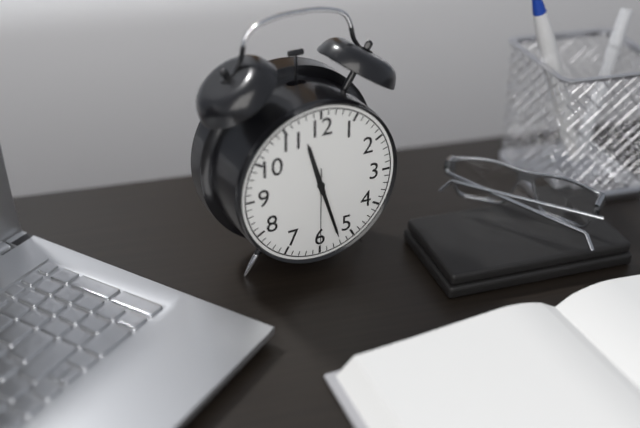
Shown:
11:27:30
